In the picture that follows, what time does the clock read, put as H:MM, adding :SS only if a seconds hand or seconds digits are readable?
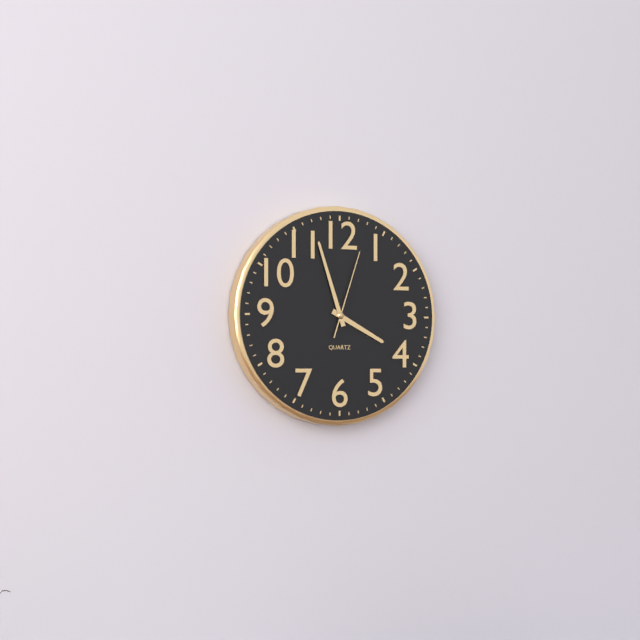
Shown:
3:57:03
